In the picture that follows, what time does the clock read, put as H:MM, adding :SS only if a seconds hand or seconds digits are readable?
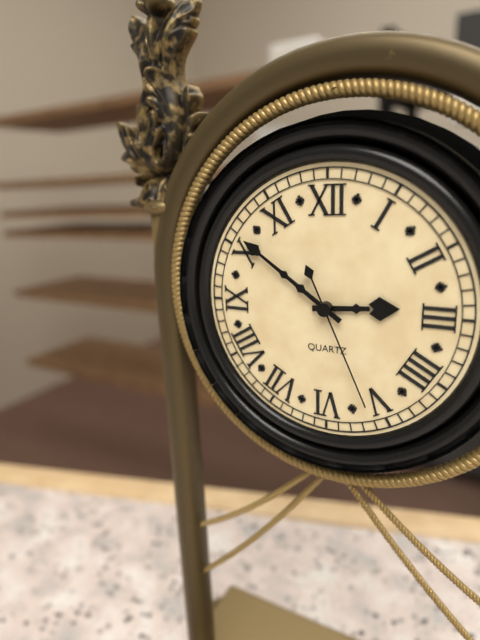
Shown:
2:51:26
